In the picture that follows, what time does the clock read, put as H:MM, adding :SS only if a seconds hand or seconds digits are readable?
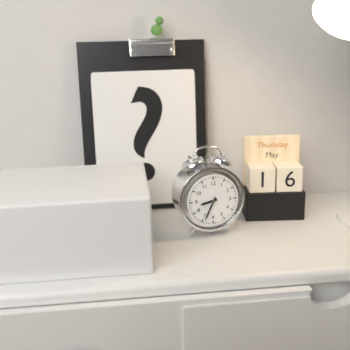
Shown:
8:34
